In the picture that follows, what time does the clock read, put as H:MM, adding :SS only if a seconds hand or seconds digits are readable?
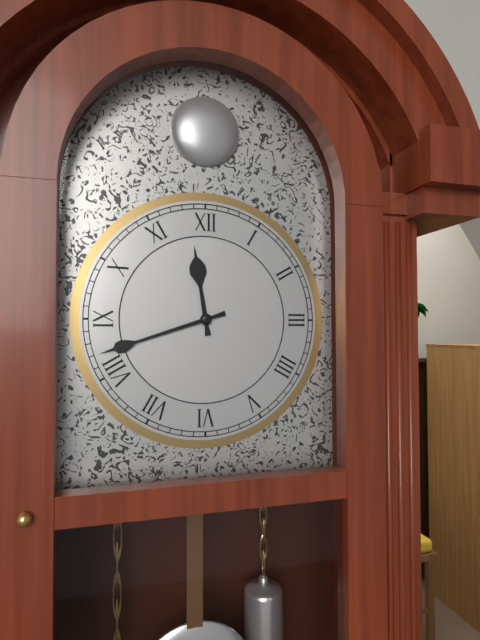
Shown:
11:42
